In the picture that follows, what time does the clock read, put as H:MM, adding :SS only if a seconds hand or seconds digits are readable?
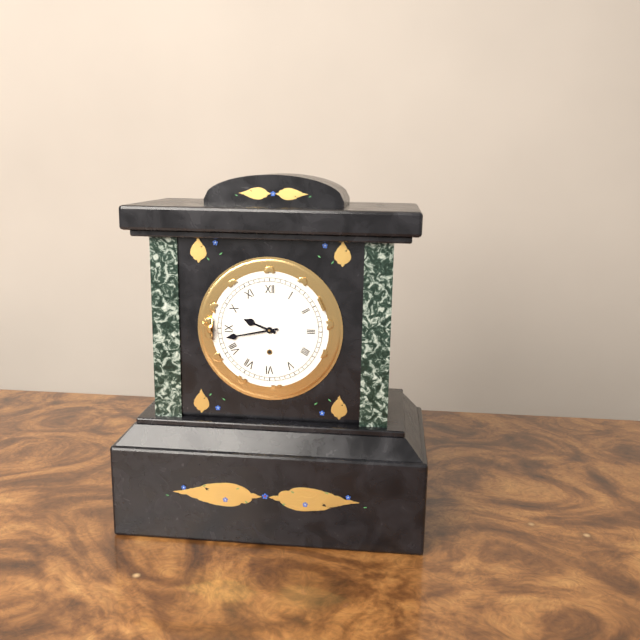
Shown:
9:43
